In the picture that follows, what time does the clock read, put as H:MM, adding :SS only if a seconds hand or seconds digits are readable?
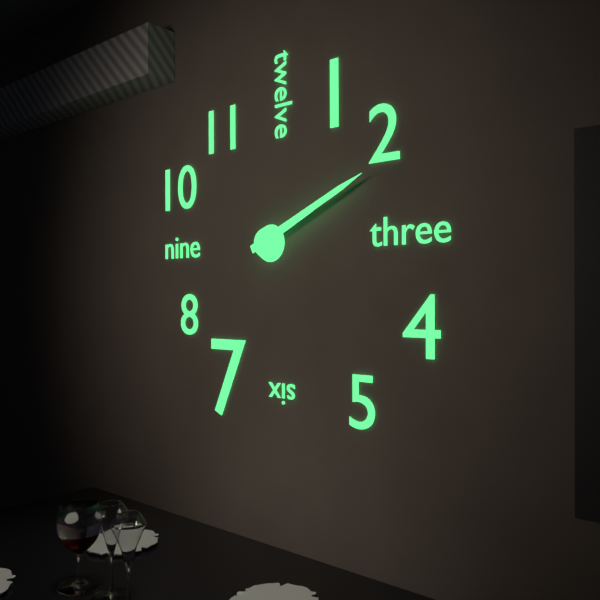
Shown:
2:11
